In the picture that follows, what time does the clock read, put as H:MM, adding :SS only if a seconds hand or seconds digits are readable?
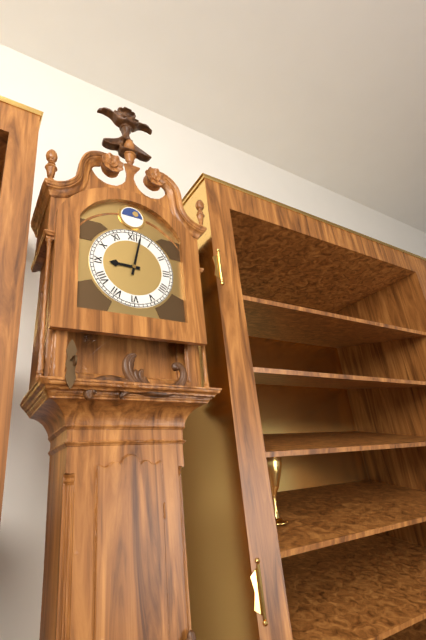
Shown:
9:02
